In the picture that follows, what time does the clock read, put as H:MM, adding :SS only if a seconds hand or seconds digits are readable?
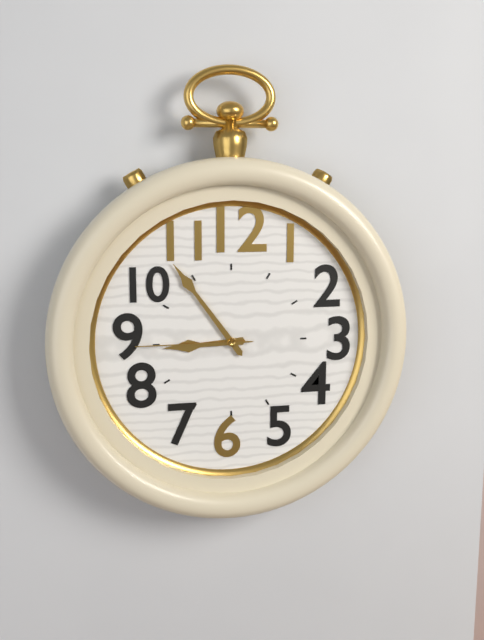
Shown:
8:54:45
